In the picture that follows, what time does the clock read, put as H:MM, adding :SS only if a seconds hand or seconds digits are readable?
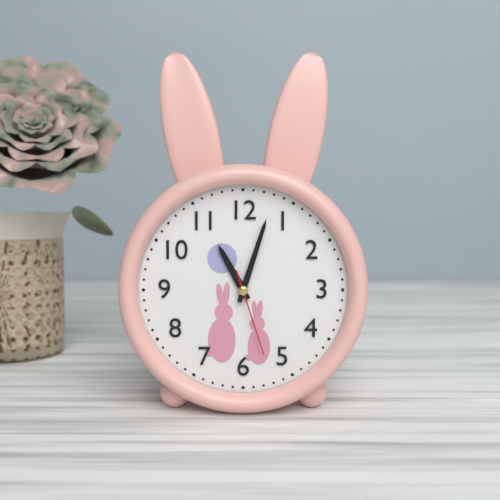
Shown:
11:03:27
